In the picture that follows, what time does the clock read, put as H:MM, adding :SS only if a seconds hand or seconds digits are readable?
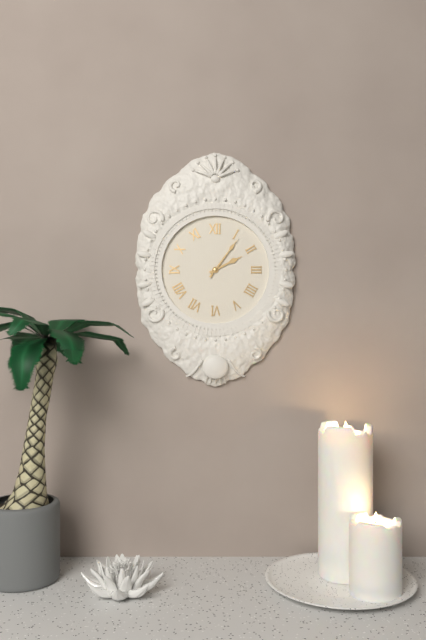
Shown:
2:06
